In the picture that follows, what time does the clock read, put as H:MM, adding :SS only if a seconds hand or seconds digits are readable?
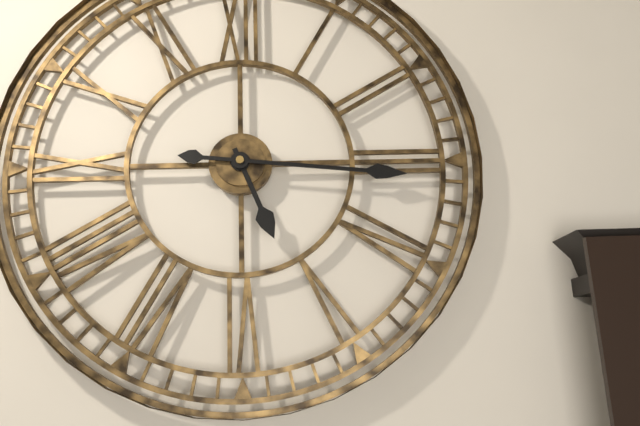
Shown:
5:16
